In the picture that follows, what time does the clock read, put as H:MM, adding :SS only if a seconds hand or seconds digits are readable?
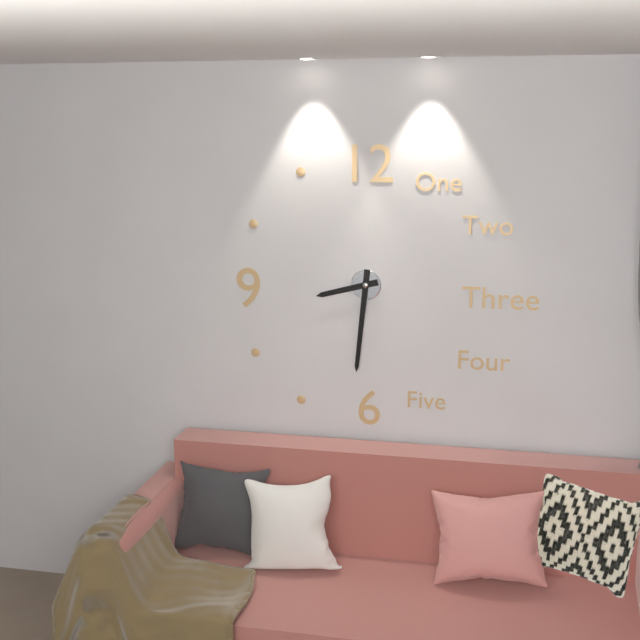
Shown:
8:31
